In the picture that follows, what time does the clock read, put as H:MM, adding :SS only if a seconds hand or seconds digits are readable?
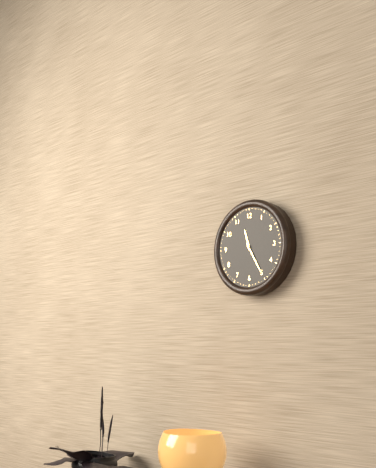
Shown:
11:25
